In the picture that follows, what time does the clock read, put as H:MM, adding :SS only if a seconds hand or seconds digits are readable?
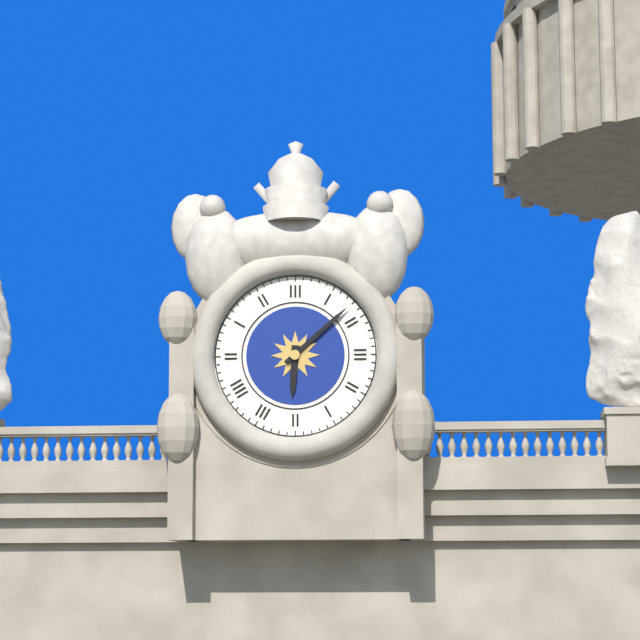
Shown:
6:08
